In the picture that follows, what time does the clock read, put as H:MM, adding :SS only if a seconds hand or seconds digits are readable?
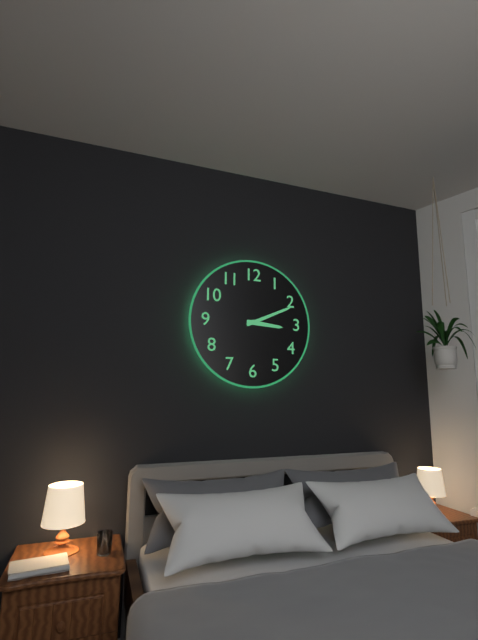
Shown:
3:11
